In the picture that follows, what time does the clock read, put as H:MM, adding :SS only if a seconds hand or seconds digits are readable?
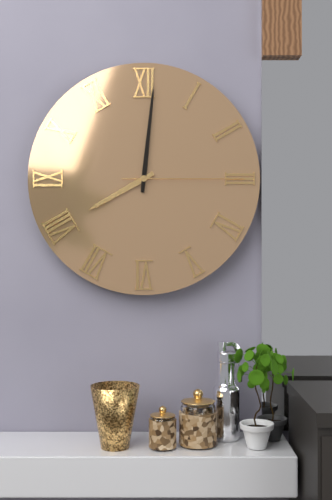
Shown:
8:01:15
